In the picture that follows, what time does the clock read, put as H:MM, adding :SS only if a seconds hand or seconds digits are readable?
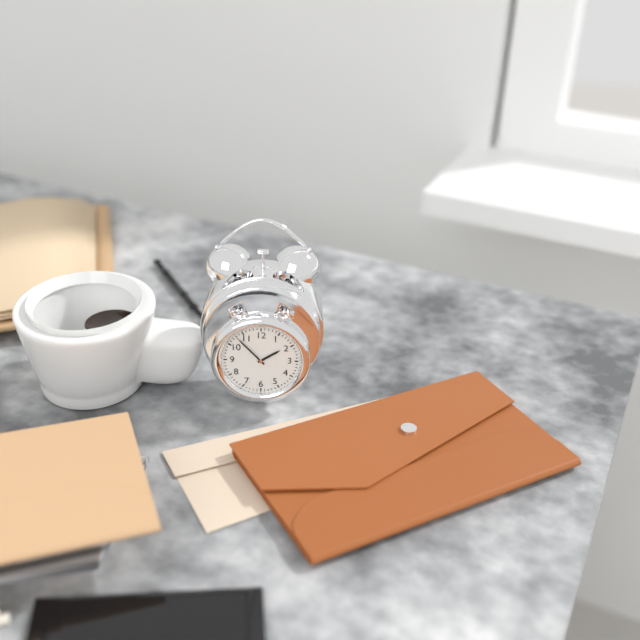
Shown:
1:53
